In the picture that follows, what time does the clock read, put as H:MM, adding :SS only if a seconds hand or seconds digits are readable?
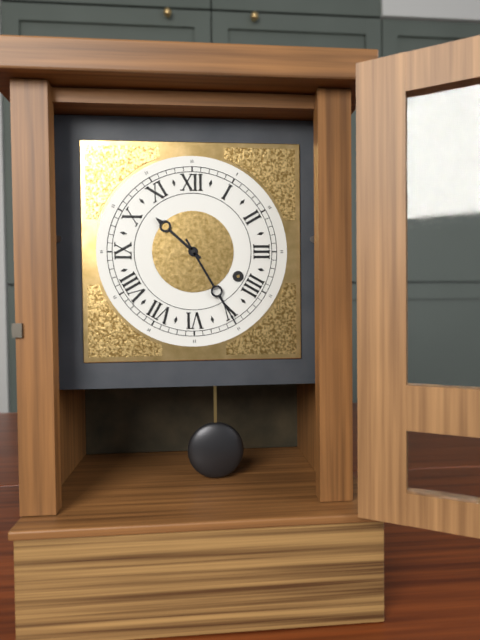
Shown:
10:25
